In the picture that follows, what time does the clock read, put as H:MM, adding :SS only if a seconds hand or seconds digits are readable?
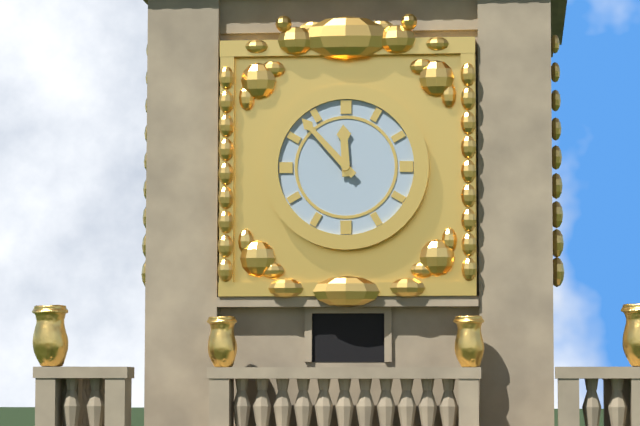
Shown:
11:53
